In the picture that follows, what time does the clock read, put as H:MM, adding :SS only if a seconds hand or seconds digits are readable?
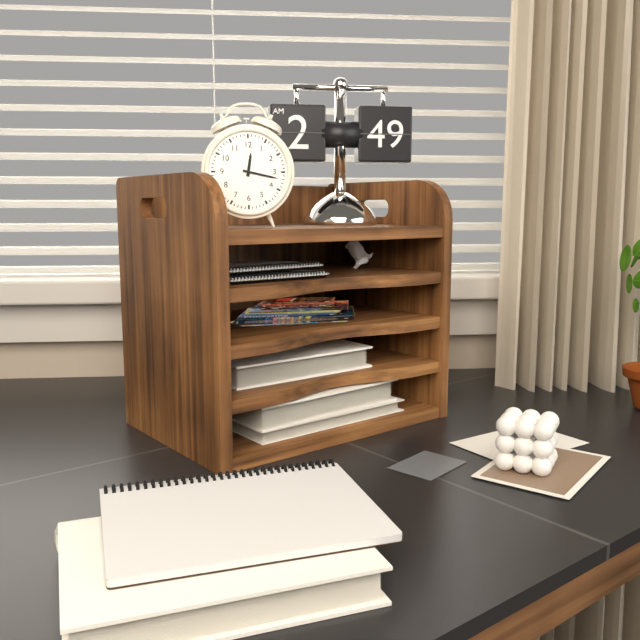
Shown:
12:17
